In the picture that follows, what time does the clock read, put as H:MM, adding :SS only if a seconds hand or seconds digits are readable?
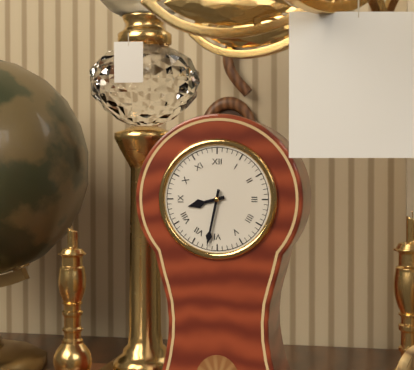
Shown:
8:32
